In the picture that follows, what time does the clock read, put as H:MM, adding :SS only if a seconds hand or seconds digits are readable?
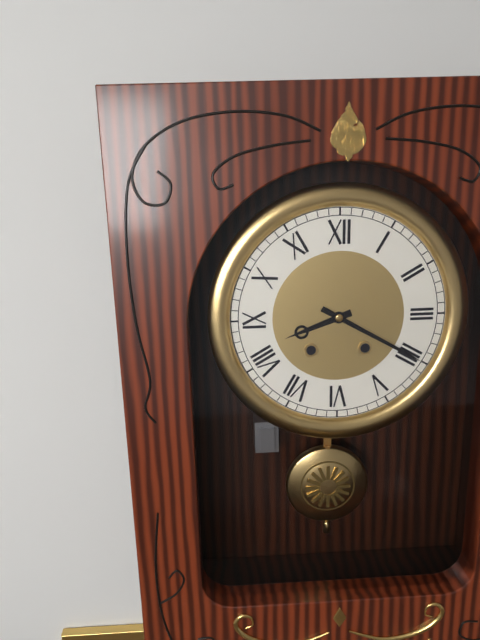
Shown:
8:20
